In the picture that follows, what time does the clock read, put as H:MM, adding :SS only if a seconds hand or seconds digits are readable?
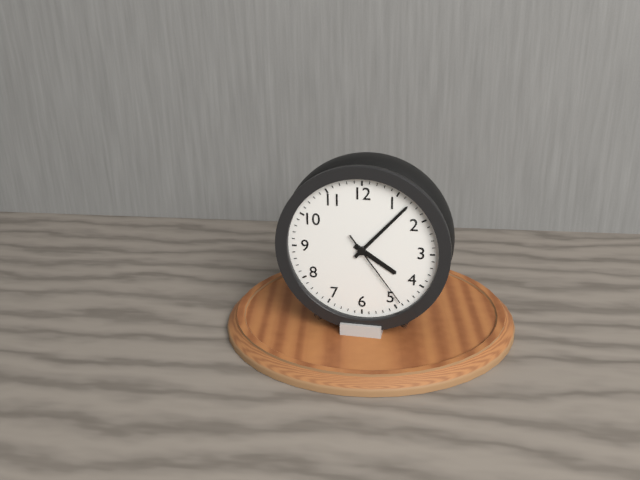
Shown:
4:07:24
